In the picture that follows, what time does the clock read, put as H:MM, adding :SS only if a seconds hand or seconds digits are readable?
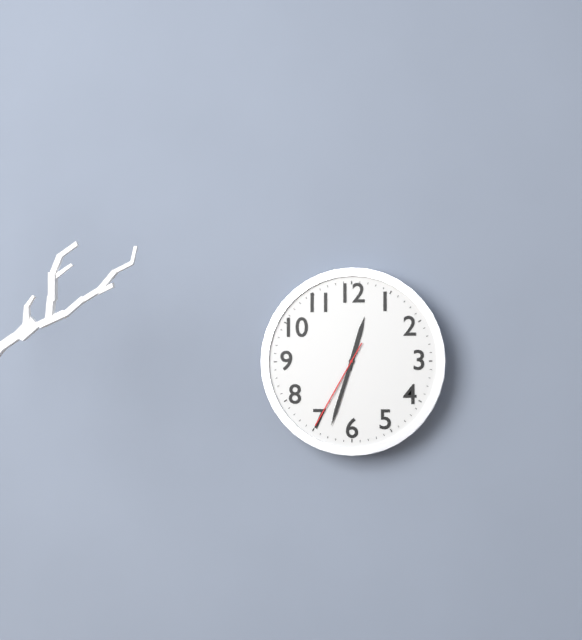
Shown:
12:33:35
